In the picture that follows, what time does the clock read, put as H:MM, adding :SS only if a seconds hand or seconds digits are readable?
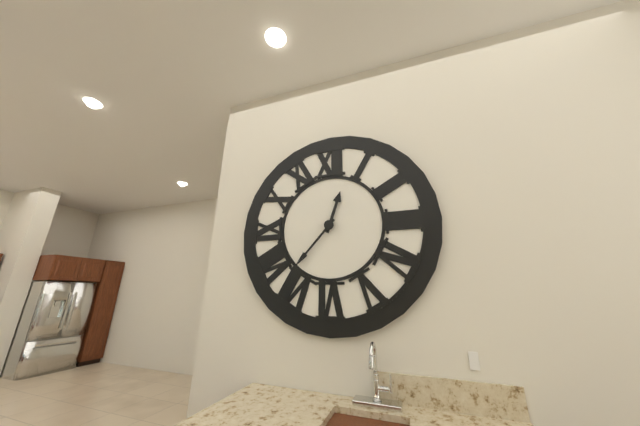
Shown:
12:37
